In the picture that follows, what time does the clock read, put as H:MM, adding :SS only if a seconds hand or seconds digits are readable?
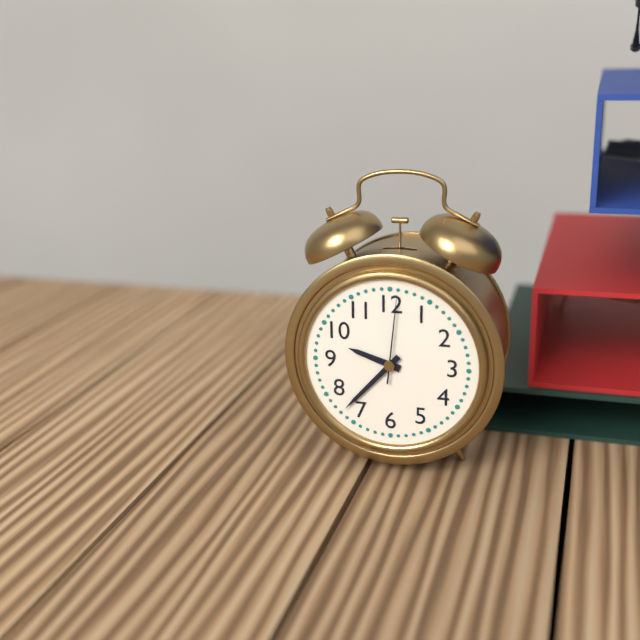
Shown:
9:37:01
